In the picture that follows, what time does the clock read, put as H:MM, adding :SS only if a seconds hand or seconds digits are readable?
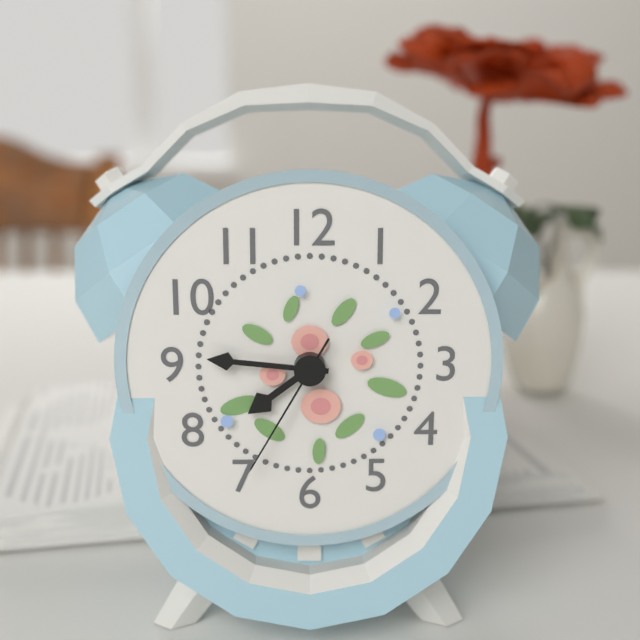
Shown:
7:46:35
